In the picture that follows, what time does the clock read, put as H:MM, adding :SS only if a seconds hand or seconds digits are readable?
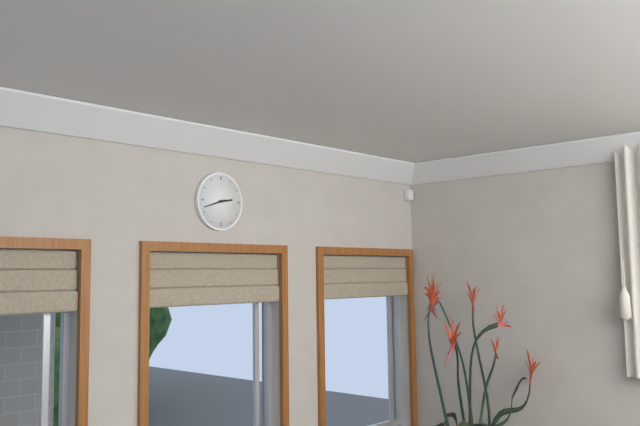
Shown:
2:42
